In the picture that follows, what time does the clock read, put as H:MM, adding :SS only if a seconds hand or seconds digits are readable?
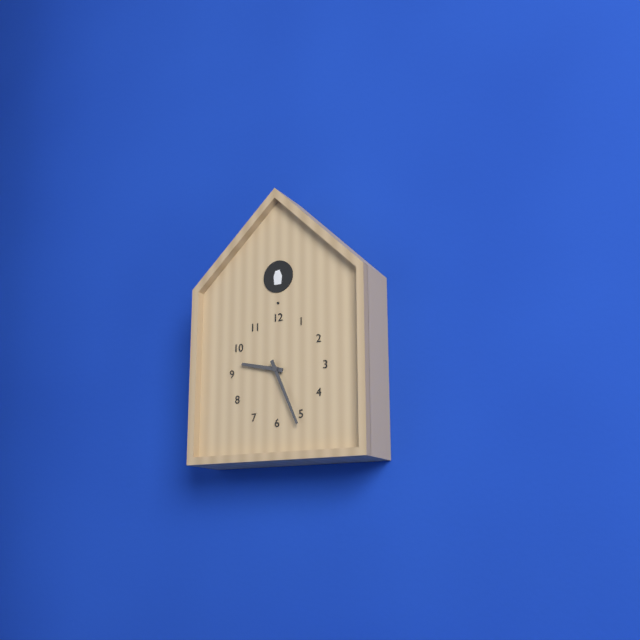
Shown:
9:26
